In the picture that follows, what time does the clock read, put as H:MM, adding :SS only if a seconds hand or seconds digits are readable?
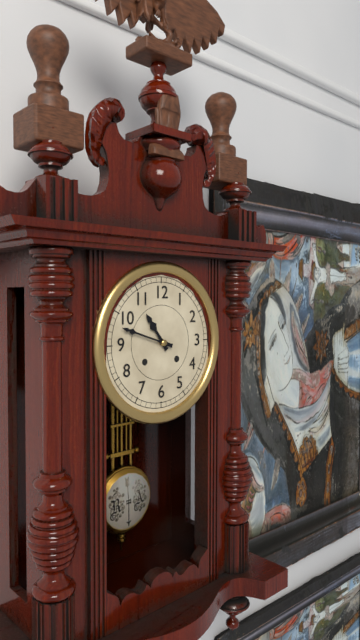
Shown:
10:48
